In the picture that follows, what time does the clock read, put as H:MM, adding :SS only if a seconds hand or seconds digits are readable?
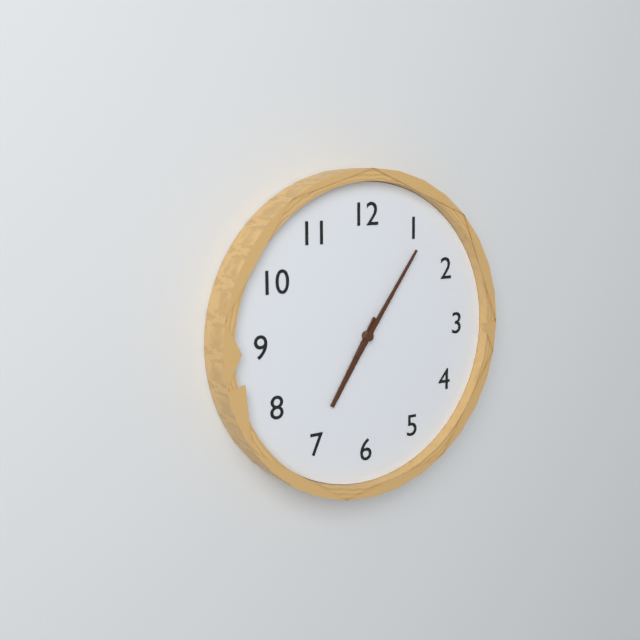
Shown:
7:06
